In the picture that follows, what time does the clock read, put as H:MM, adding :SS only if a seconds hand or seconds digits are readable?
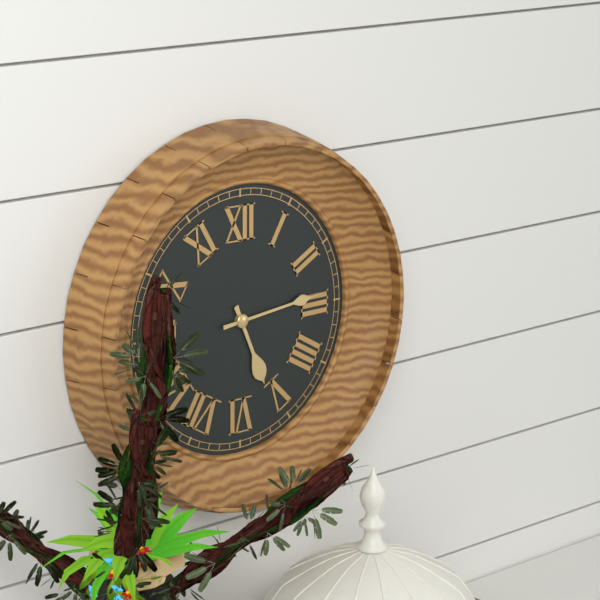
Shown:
5:14
